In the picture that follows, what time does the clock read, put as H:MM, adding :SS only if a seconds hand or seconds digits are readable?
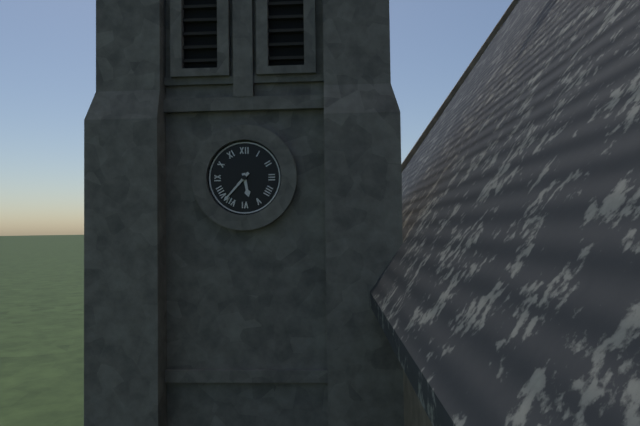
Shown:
5:37
